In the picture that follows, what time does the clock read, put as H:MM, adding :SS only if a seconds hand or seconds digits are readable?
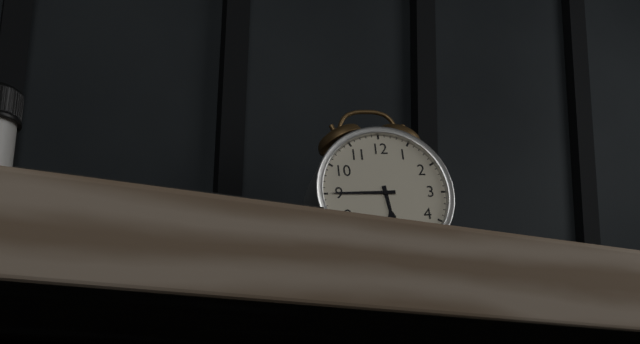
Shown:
5:45
